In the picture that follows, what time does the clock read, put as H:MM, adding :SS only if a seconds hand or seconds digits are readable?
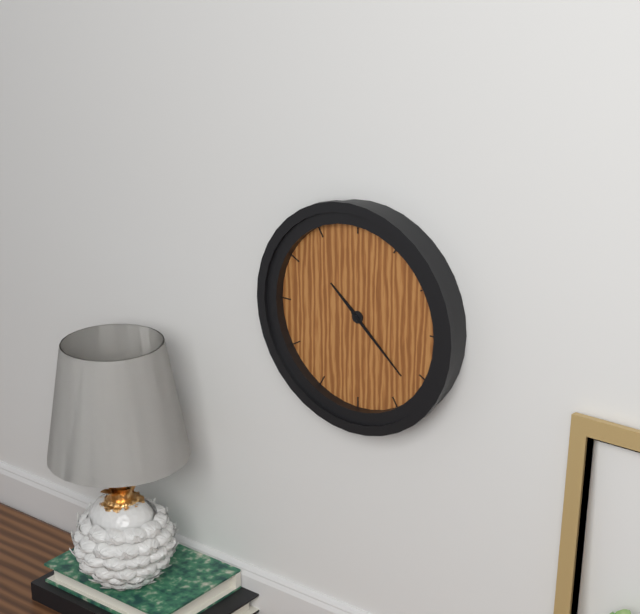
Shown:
10:22
